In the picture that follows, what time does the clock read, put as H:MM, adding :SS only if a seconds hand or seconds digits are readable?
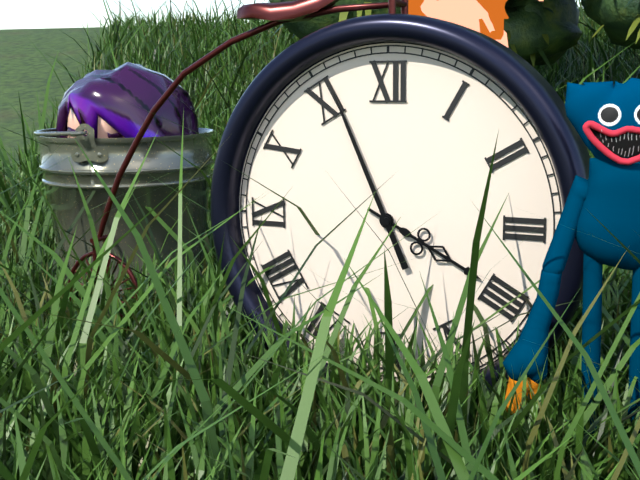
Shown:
3:56
